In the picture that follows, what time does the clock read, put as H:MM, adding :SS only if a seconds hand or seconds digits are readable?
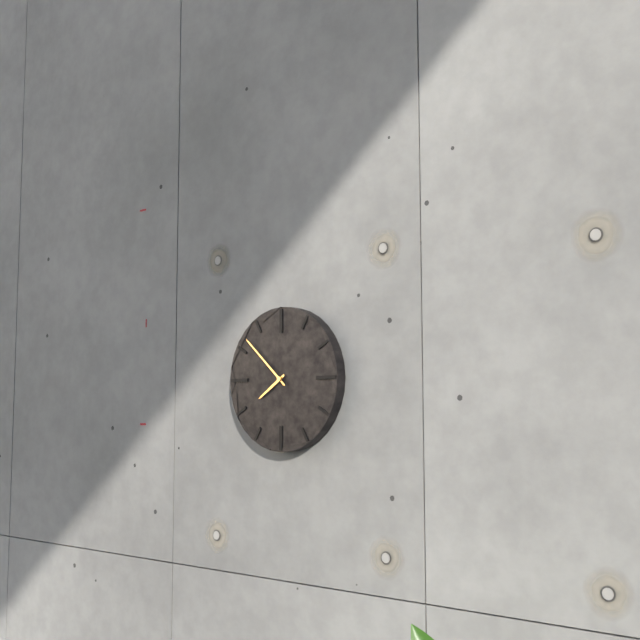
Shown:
7:52
